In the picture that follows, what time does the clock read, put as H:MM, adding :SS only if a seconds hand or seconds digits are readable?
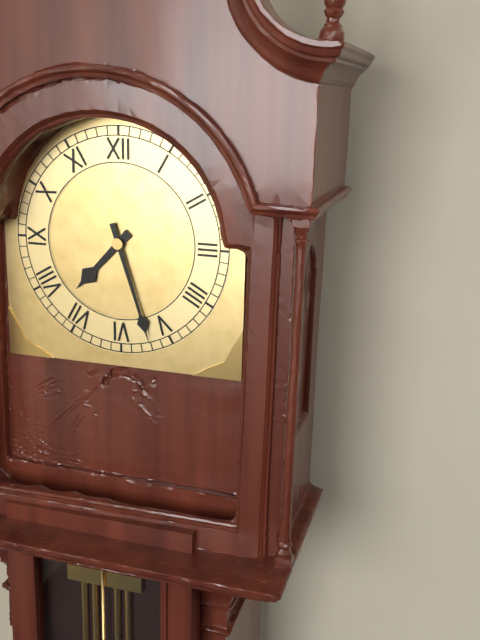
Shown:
7:27
